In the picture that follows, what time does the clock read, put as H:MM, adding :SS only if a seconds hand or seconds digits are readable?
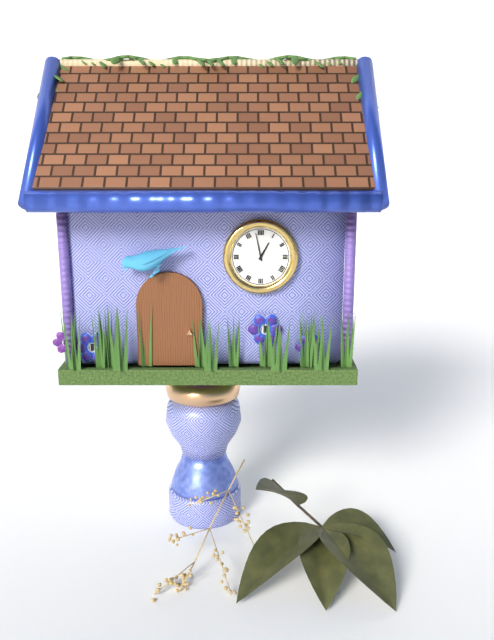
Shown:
12:58
